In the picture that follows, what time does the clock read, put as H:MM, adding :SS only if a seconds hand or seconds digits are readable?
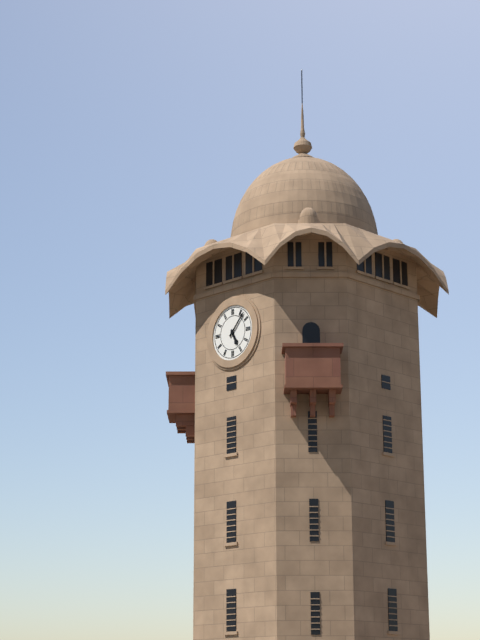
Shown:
5:07
